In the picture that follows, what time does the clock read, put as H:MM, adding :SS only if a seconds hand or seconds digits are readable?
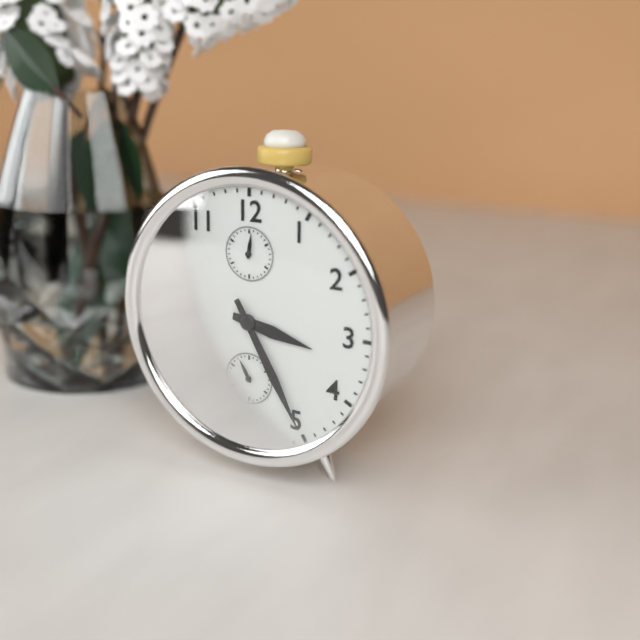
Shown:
3:25
